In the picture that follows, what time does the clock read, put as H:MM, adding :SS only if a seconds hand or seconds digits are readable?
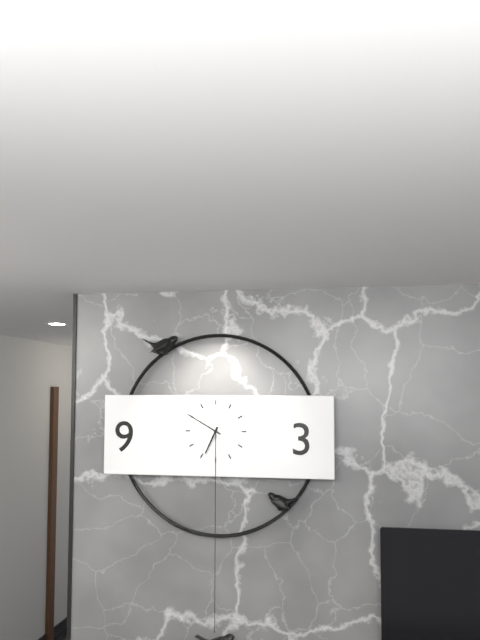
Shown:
6:50
